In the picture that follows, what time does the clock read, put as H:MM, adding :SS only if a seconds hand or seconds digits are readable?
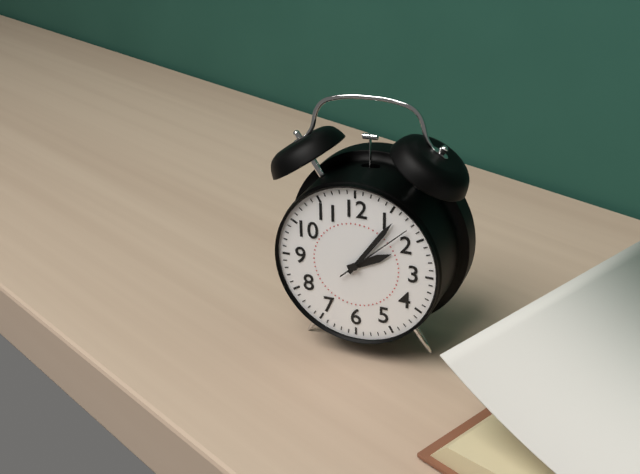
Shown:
2:06:08
